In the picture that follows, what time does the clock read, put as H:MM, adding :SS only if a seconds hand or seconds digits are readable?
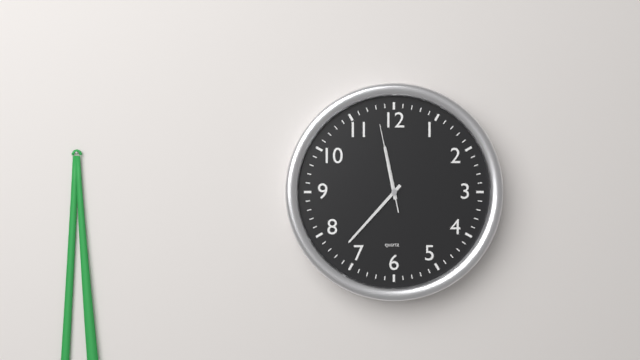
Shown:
11:37:58
